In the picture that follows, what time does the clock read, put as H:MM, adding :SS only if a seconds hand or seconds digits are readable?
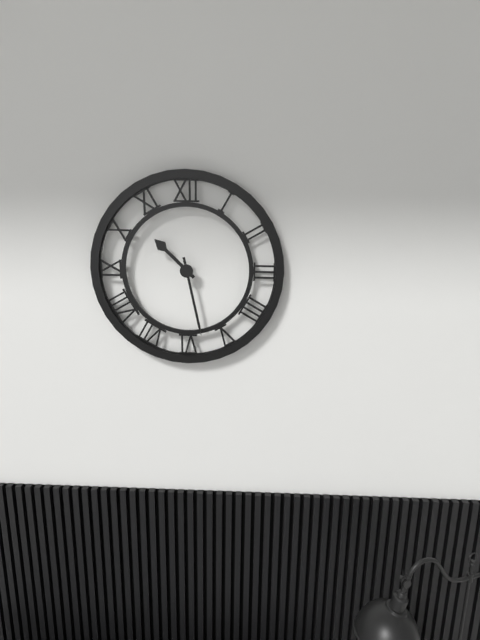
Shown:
10:28
